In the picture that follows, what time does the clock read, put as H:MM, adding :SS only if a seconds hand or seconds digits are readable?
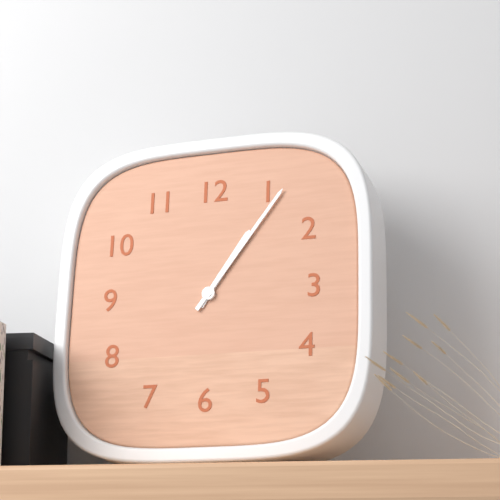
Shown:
1:06
